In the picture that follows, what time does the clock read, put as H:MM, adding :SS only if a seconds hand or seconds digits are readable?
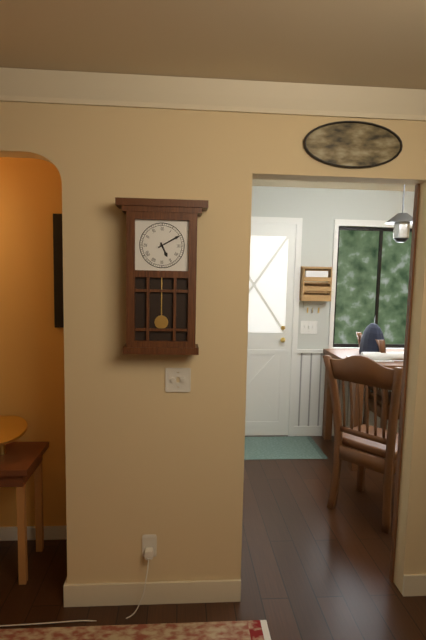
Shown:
5:10
